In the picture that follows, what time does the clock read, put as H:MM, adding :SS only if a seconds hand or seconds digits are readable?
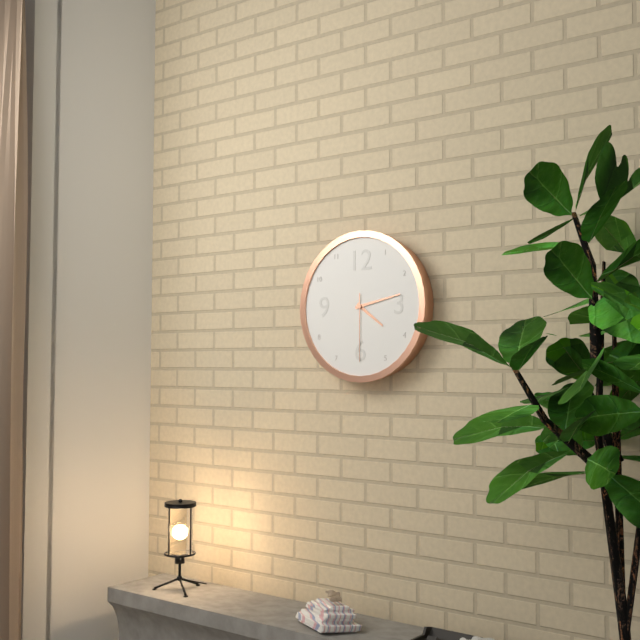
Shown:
4:13:30
